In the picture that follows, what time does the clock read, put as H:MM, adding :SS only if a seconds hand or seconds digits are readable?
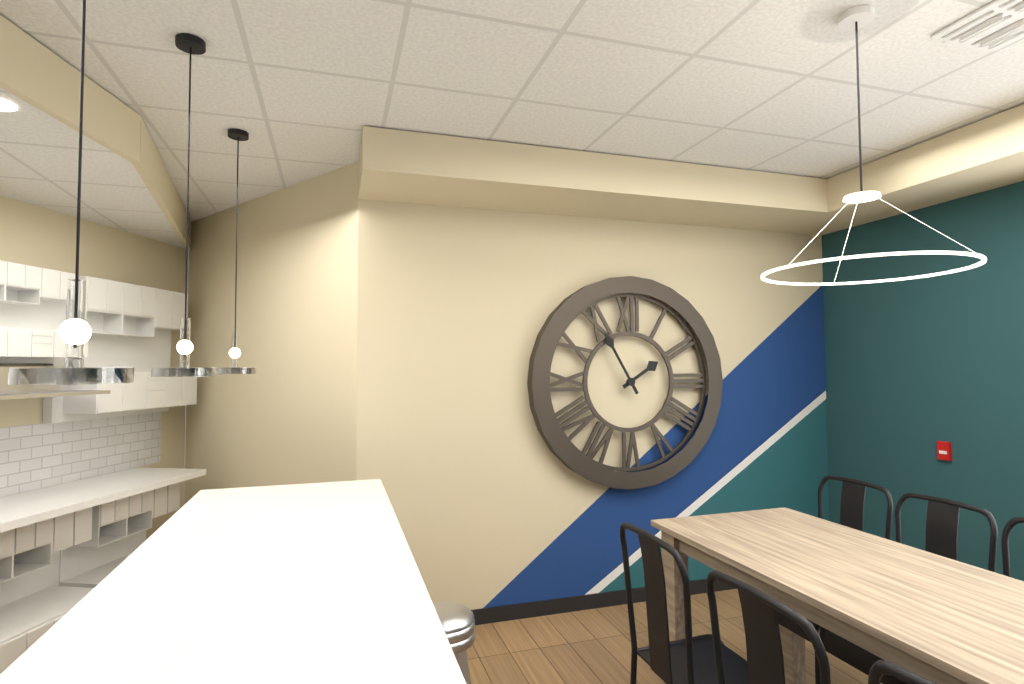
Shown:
1:55
